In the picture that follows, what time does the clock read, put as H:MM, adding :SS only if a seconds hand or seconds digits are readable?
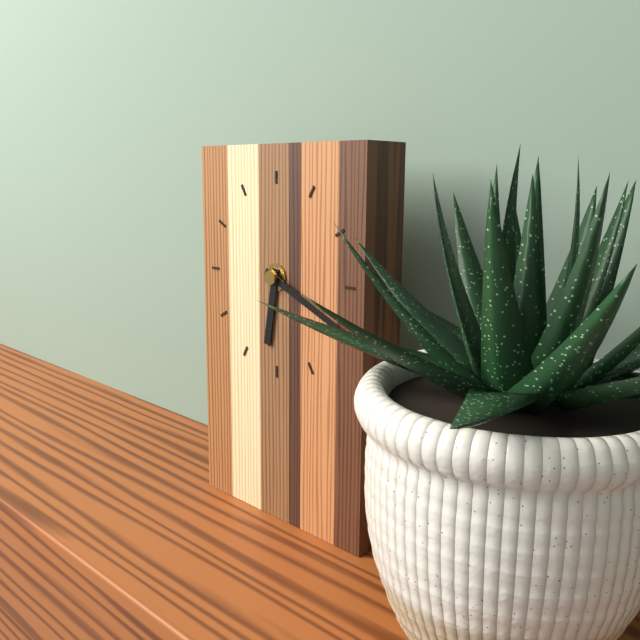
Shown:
6:19
